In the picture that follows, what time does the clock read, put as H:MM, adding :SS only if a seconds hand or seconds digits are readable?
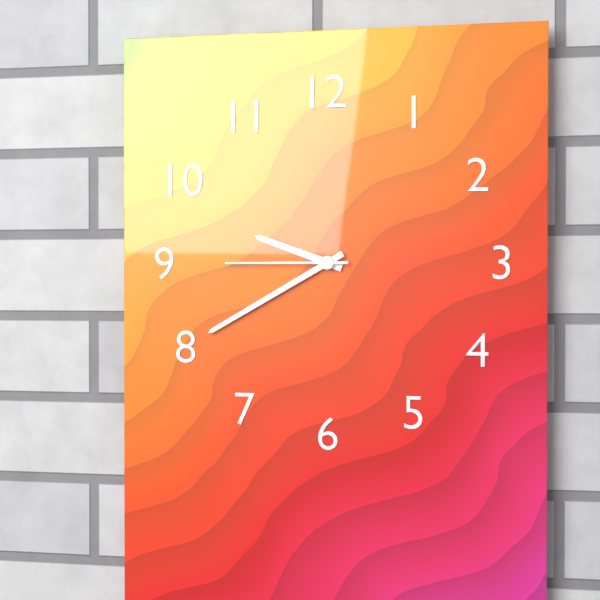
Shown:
9:40:45
